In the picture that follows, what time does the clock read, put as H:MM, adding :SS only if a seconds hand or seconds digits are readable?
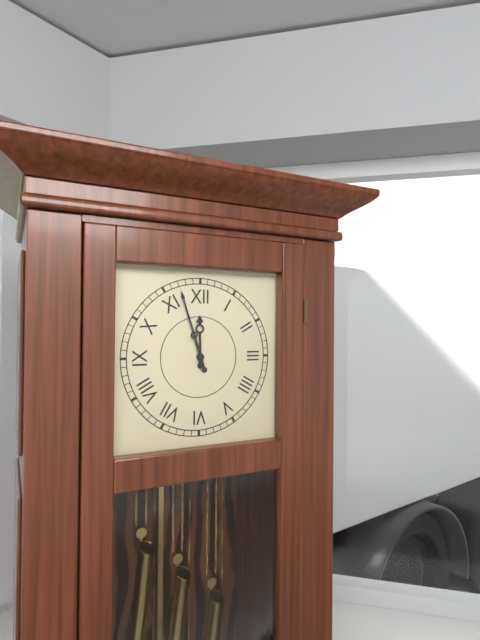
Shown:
11:57
